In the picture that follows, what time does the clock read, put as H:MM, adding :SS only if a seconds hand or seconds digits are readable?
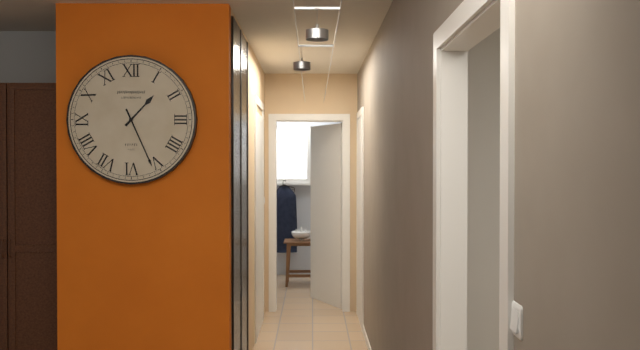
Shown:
1:26
